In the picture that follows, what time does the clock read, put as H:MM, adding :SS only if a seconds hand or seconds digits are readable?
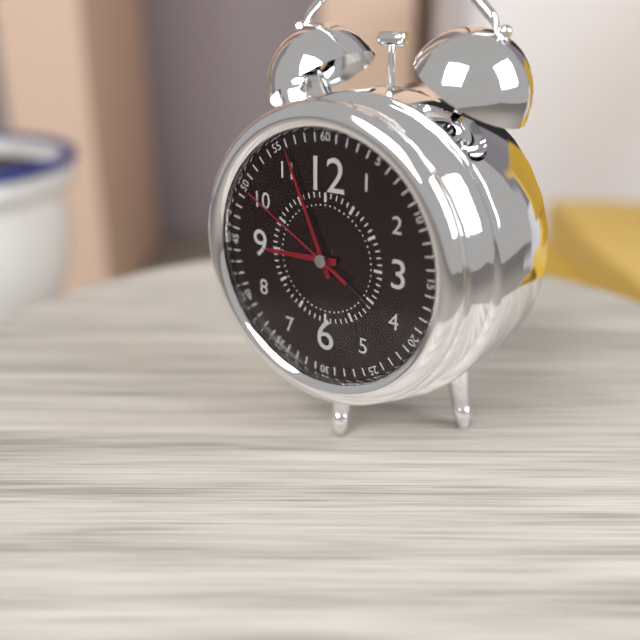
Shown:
8:56:50
